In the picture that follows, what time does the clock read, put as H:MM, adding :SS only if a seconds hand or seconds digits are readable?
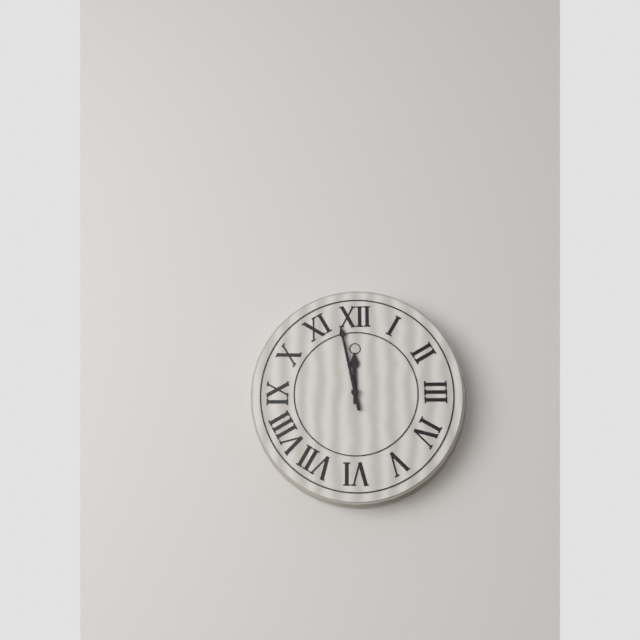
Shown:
11:58
